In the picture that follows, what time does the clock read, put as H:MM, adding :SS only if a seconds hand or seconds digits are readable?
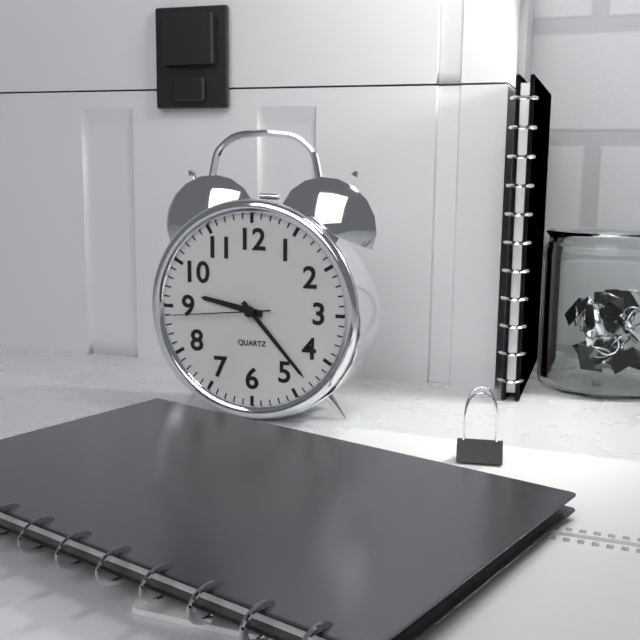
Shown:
9:23:44
